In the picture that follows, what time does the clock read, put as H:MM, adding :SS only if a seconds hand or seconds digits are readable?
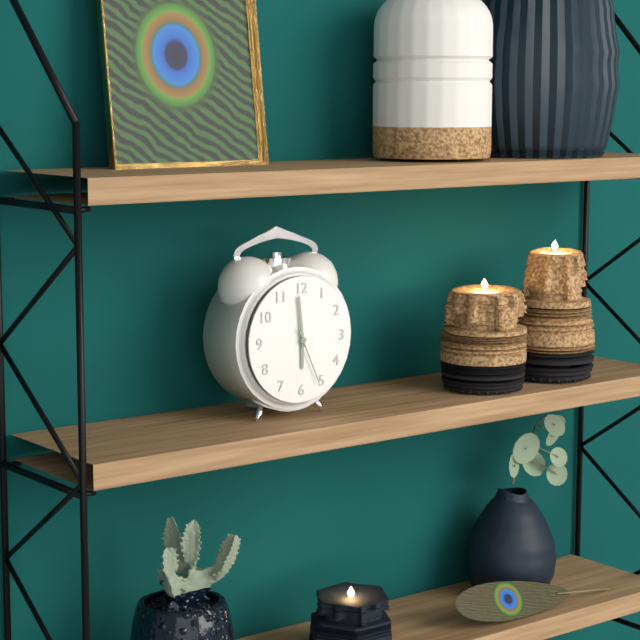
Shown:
5:59:26
